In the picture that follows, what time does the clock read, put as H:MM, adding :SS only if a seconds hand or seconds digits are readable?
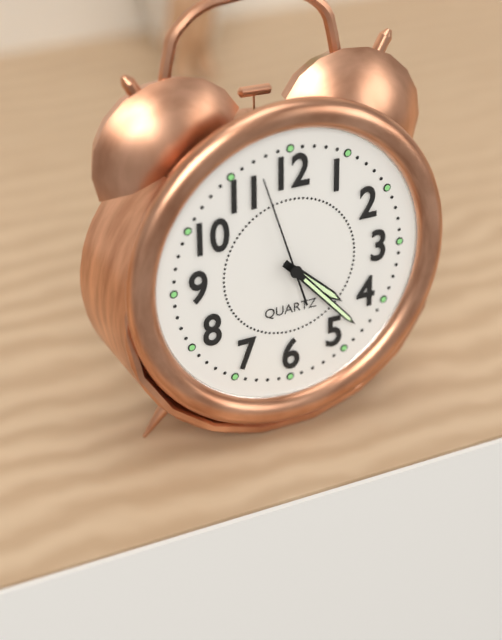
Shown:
4:23:57
